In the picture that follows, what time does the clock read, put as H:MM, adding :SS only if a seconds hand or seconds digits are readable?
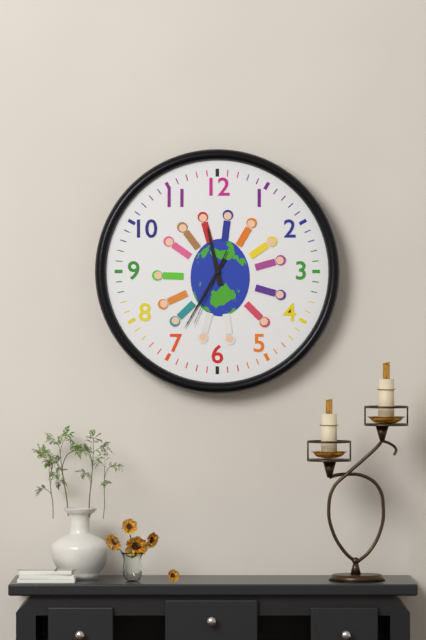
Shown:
11:35:34
